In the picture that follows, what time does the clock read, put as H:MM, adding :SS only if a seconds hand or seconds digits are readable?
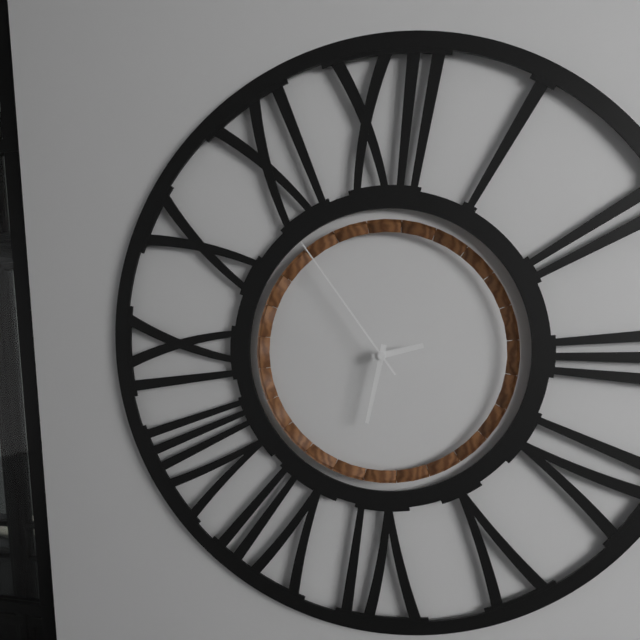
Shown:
2:32:54
